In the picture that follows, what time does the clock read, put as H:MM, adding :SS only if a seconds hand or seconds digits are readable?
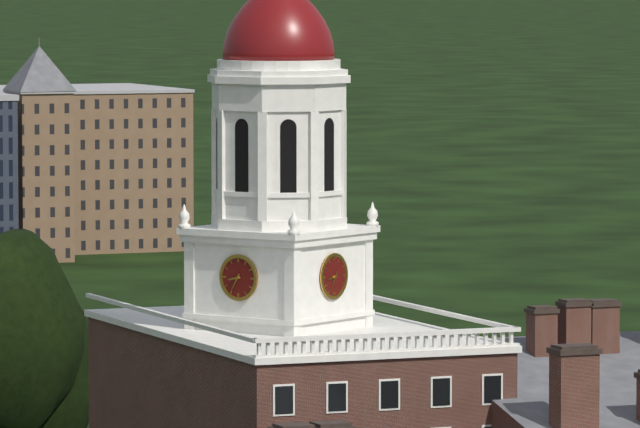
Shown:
8:35
